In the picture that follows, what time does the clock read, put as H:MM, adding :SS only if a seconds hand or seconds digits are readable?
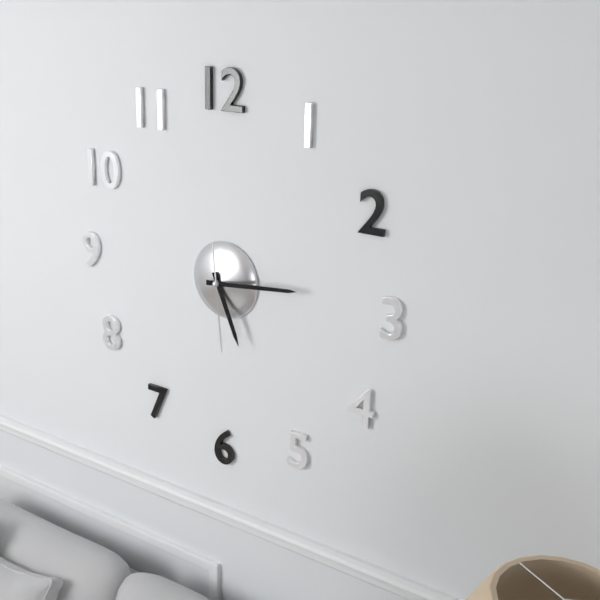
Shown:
5:14:29
